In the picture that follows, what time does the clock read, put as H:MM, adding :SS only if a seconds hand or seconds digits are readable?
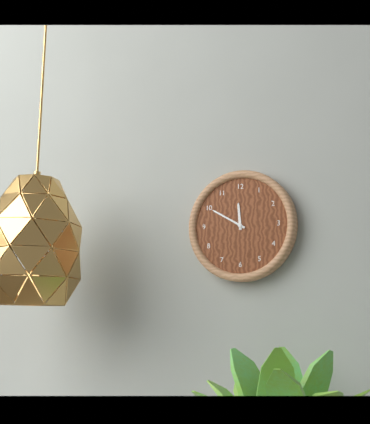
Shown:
11:50
